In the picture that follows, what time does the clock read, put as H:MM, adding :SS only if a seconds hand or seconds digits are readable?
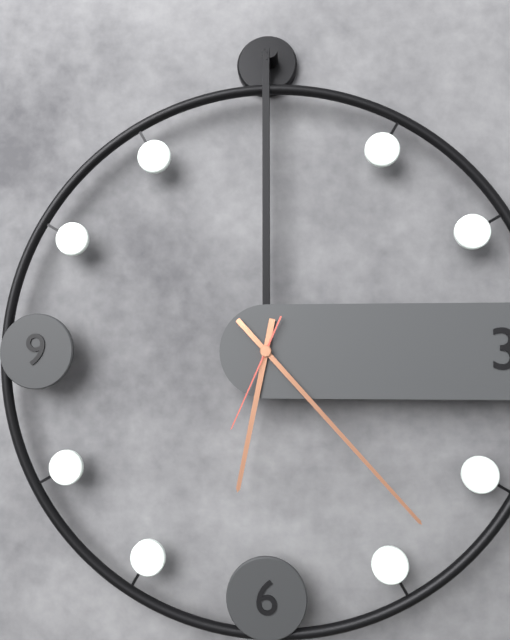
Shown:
6:23:34
